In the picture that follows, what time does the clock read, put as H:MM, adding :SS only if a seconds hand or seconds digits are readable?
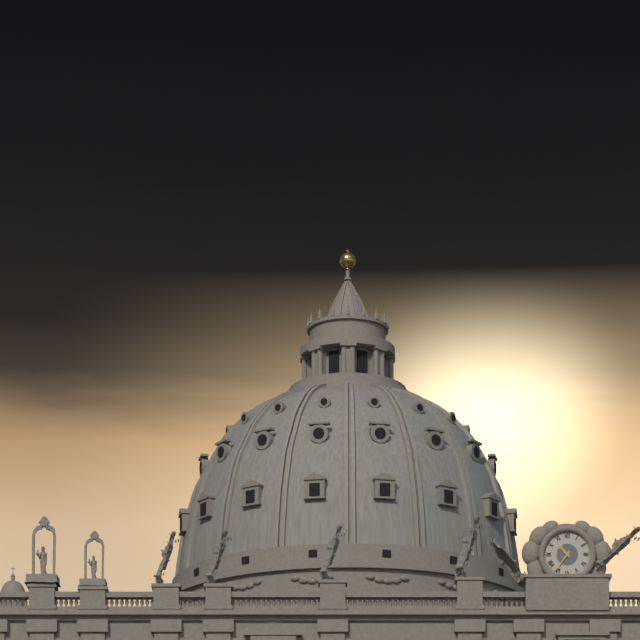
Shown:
10:36
